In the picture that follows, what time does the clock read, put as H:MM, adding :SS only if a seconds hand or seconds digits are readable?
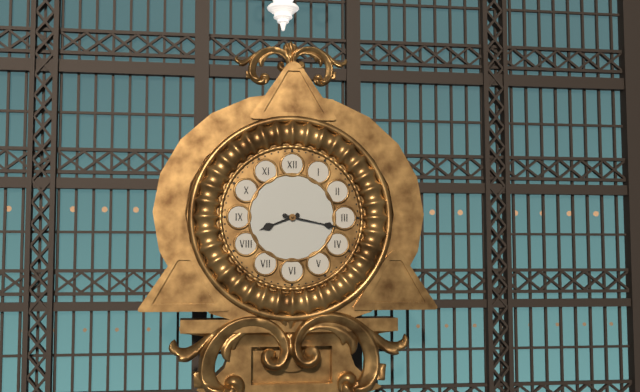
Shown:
8:17
